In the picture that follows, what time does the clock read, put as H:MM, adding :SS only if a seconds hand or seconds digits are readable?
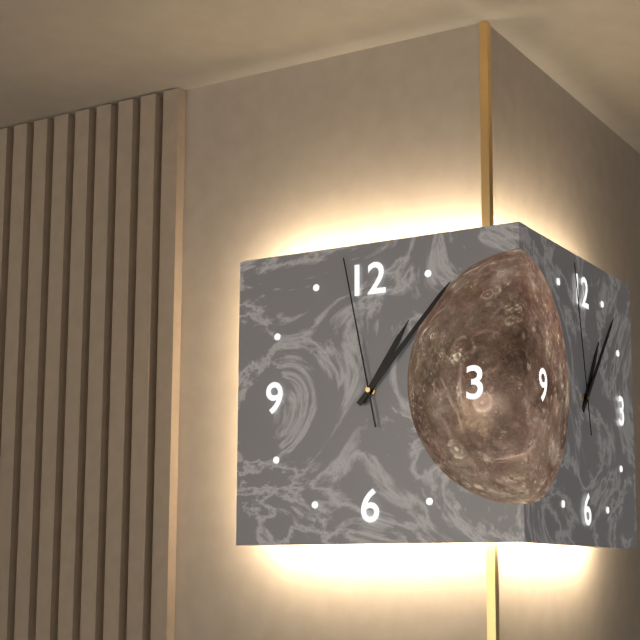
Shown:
1:07:58
